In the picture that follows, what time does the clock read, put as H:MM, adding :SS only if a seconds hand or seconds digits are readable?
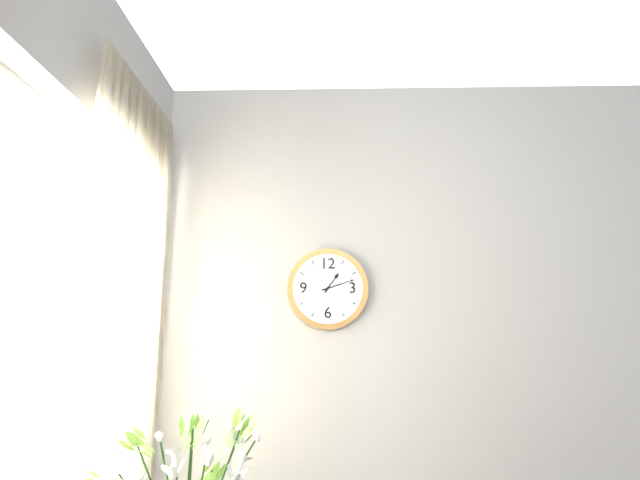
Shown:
1:12
